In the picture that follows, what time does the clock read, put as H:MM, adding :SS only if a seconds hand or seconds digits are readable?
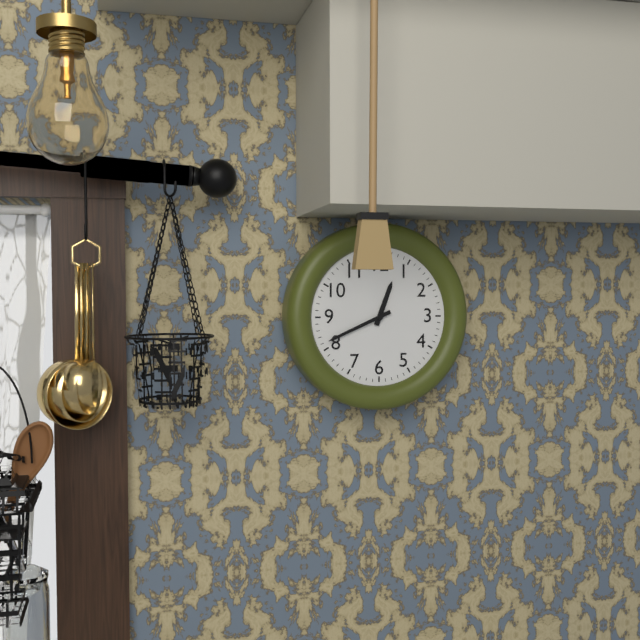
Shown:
12:41
